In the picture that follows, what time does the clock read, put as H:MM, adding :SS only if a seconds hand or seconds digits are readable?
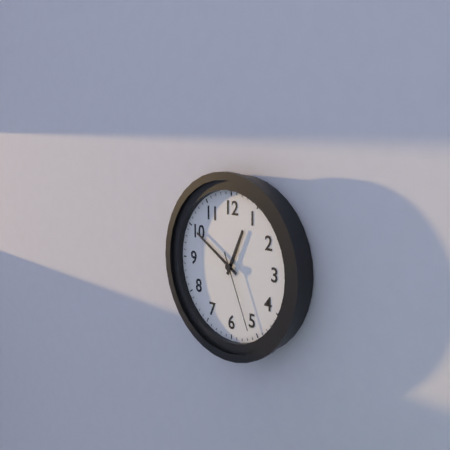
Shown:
12:50:26
